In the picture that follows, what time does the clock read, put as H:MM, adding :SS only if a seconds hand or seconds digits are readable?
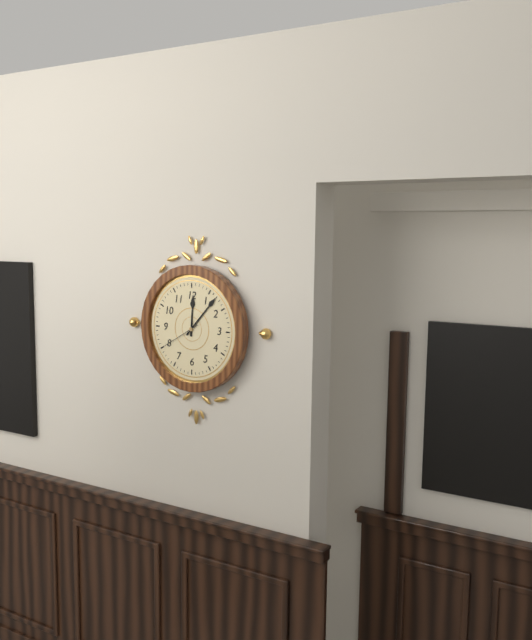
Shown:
12:07
